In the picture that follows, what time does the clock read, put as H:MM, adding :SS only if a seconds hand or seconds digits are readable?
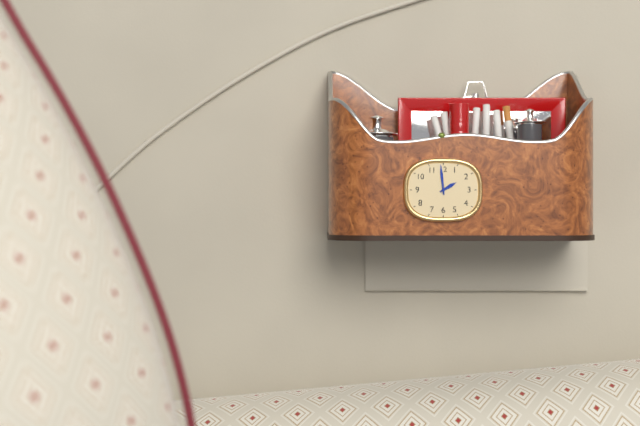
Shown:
1:59
